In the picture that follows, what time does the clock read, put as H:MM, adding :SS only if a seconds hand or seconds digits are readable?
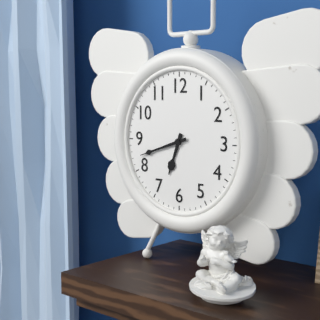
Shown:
6:42
